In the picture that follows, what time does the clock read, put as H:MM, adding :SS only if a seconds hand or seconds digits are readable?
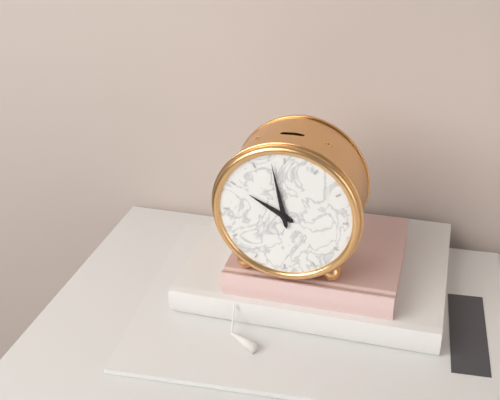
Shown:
9:58
